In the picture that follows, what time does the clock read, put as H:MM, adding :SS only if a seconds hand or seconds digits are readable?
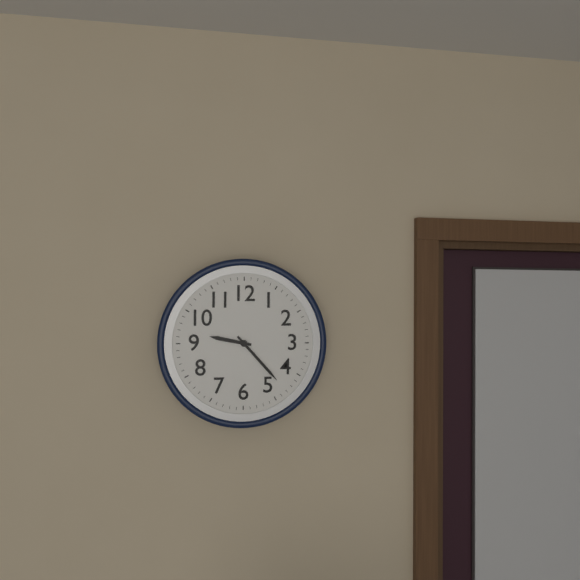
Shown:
9:23
